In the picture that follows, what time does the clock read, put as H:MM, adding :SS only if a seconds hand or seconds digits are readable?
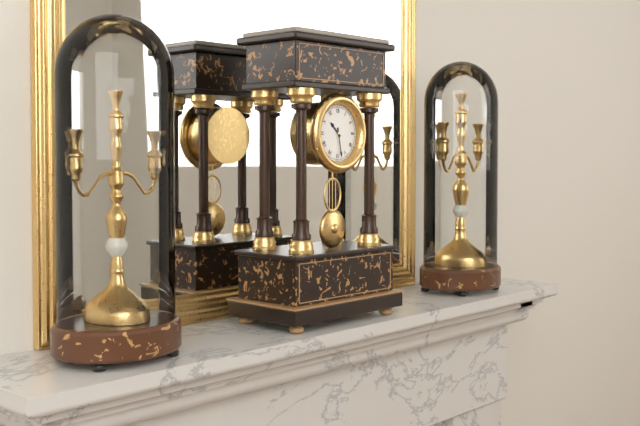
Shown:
10:28
